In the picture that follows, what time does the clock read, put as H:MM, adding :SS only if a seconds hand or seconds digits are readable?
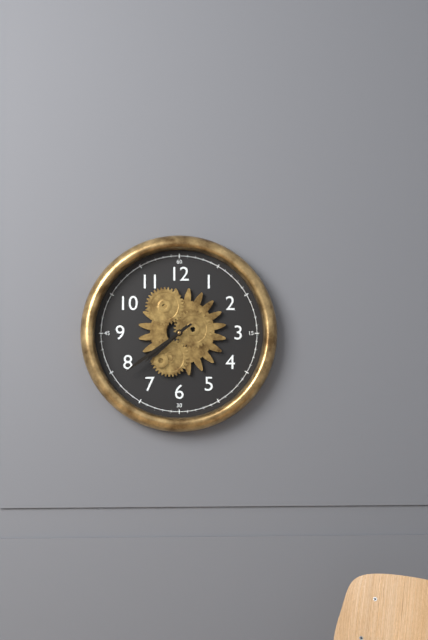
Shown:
7:39
